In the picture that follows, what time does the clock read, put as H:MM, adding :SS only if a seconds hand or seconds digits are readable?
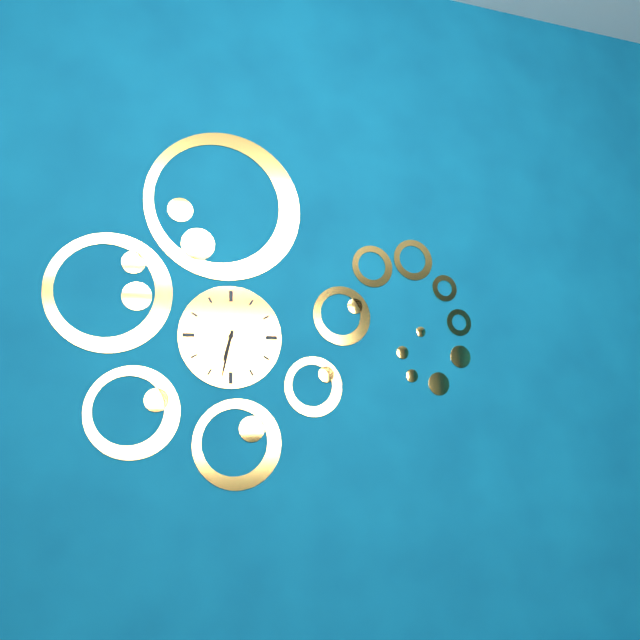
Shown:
6:32
